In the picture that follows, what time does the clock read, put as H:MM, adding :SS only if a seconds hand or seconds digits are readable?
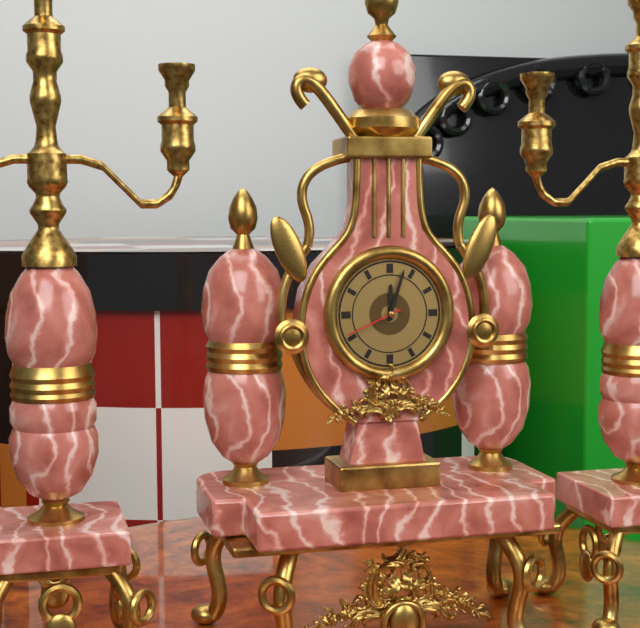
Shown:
12:03:41
